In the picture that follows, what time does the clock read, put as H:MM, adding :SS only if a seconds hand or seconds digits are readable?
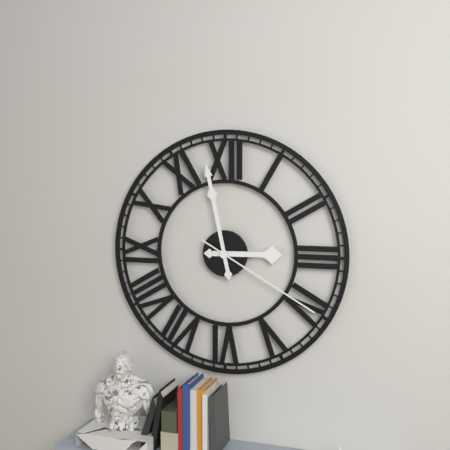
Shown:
2:58:20
